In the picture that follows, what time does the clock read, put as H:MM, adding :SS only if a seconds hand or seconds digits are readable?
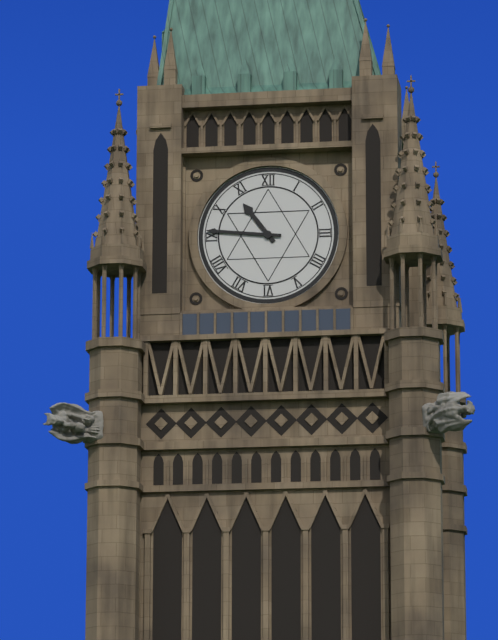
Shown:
10:46
